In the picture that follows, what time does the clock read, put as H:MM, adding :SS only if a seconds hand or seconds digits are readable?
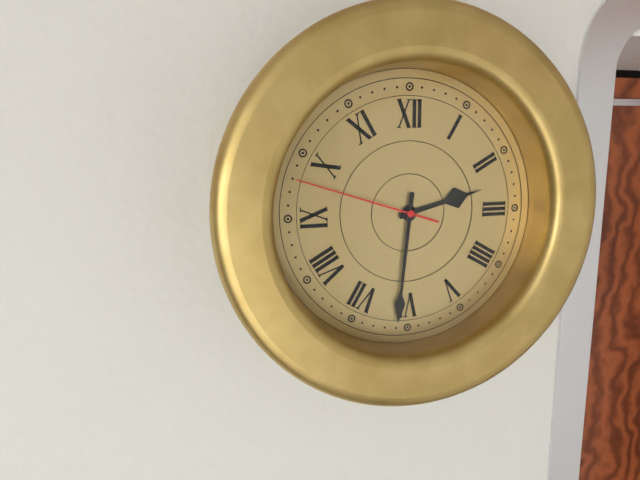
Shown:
2:31:48
